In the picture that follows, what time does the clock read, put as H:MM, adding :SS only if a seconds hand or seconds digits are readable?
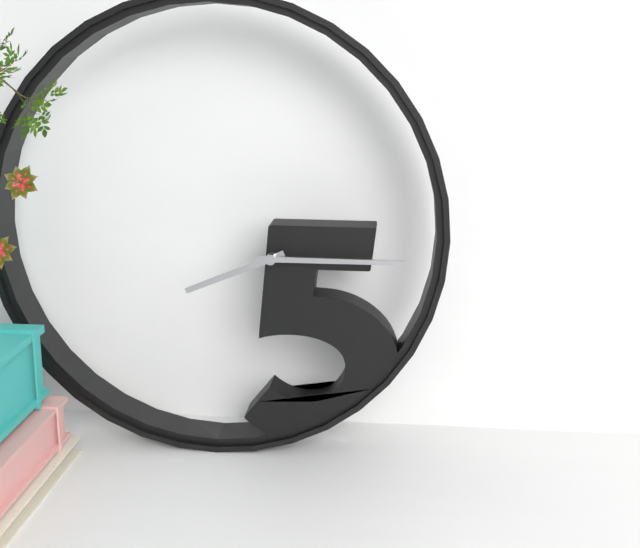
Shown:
8:15
